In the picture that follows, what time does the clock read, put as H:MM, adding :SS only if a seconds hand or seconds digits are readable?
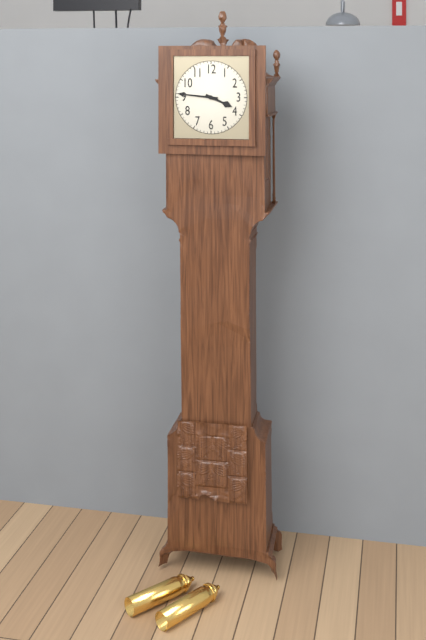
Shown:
3:46
